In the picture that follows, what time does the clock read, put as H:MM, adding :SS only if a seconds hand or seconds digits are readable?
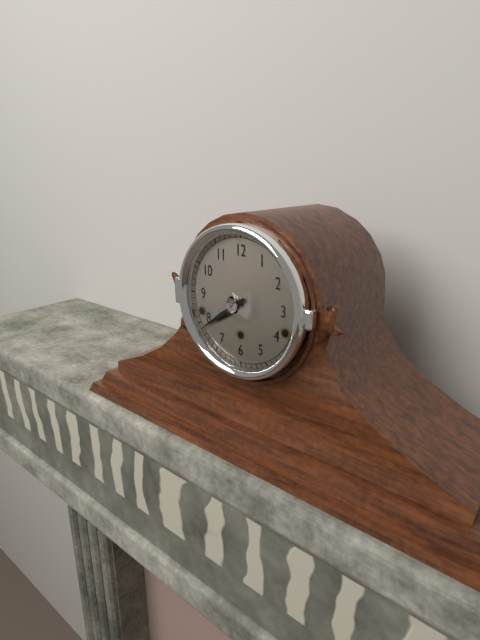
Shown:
7:39
